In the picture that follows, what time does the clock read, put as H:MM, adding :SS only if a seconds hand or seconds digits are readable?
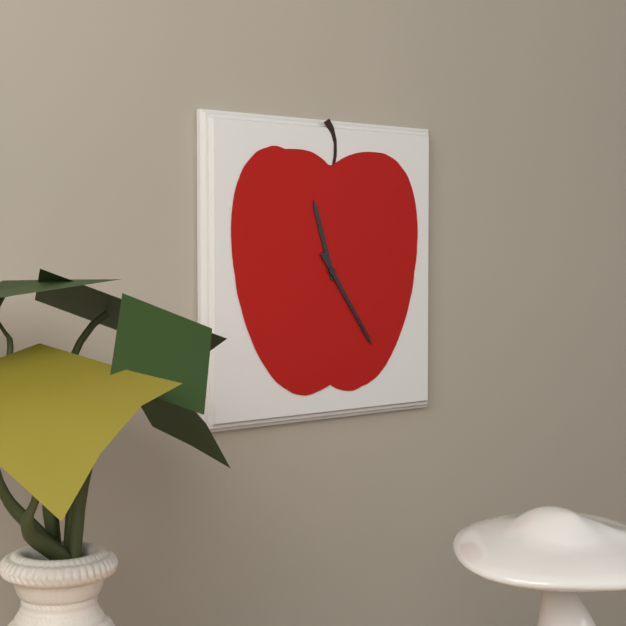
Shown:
11:24
